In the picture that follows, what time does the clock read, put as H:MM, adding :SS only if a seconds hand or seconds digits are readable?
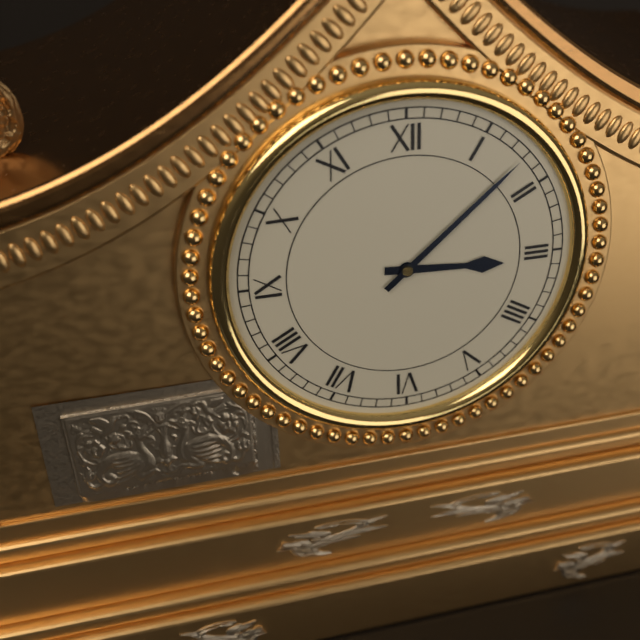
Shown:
3:08
